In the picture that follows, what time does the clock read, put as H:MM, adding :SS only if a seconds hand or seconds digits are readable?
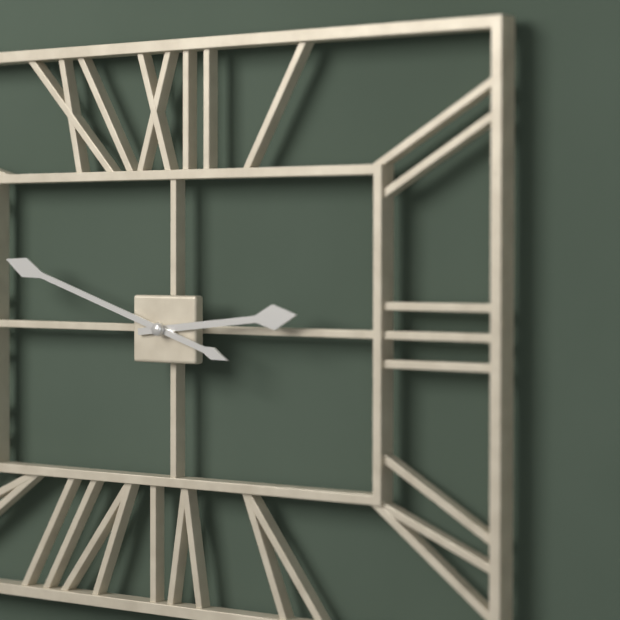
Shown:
2:48
